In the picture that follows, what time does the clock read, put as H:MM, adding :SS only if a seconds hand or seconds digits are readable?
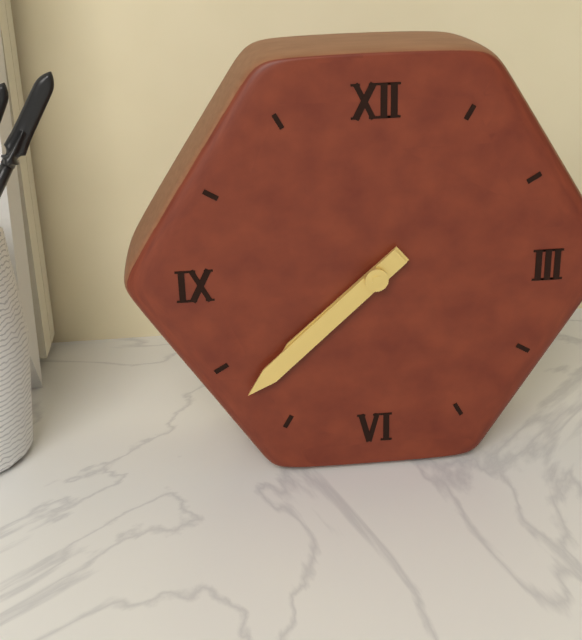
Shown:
7:38
